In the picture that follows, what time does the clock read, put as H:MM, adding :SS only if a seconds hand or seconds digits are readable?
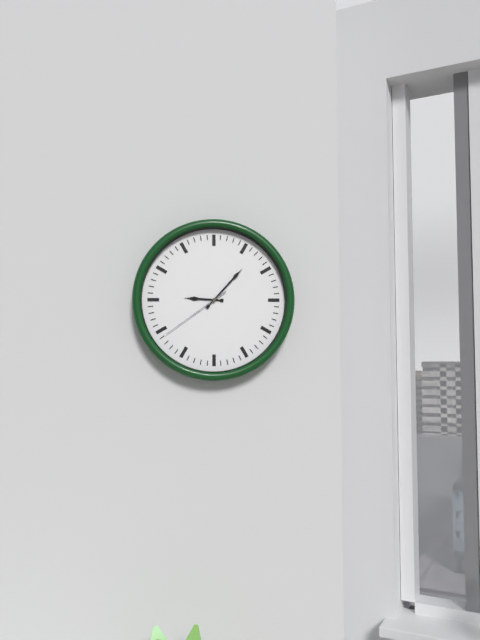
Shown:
9:07:39
